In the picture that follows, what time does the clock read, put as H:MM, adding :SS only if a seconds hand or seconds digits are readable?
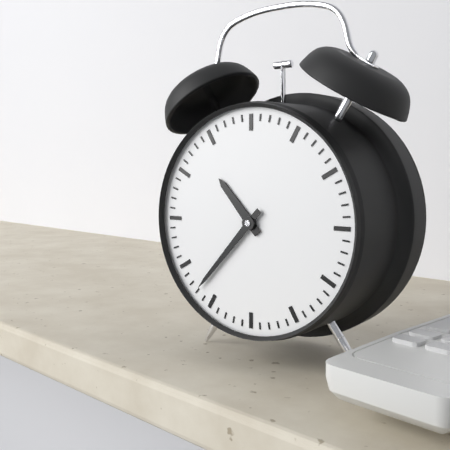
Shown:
10:37
